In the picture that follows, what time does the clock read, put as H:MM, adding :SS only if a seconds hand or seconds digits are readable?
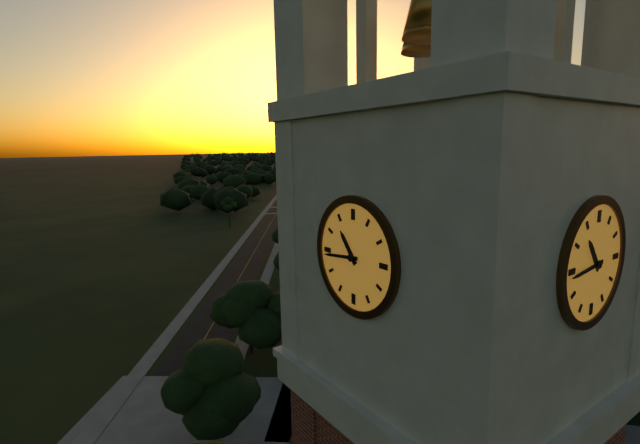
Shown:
10:44
